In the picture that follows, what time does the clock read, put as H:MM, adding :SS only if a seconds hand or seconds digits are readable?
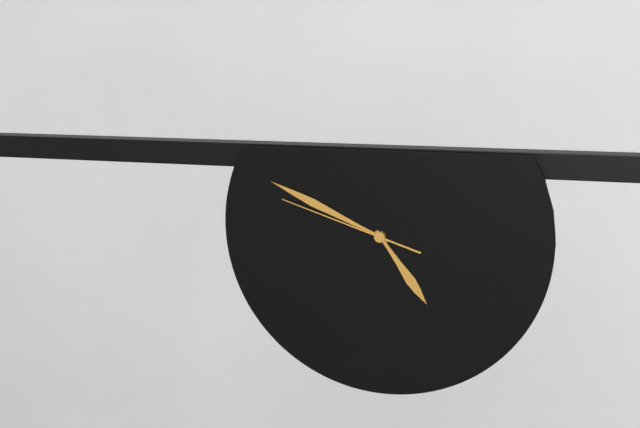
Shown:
4:49:48
